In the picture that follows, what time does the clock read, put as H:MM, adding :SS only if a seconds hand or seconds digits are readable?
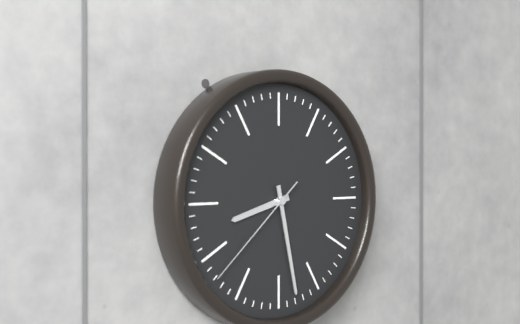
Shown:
8:28:38
